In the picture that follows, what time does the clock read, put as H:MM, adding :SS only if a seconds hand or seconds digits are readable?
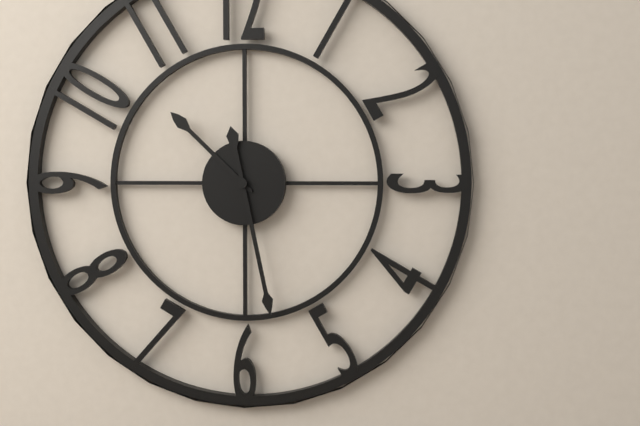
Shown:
10:28
